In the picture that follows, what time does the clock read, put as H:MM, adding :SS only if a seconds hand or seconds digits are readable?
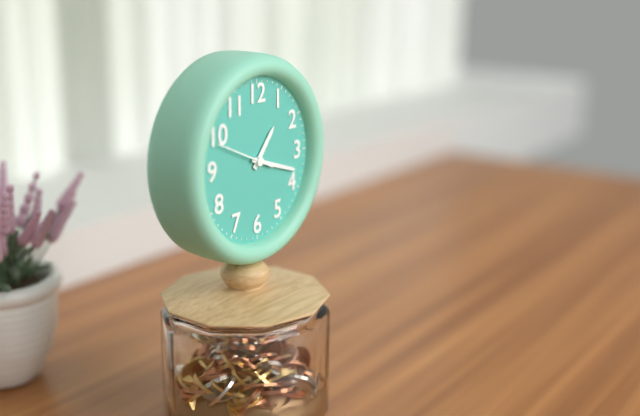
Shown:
1:18:49
